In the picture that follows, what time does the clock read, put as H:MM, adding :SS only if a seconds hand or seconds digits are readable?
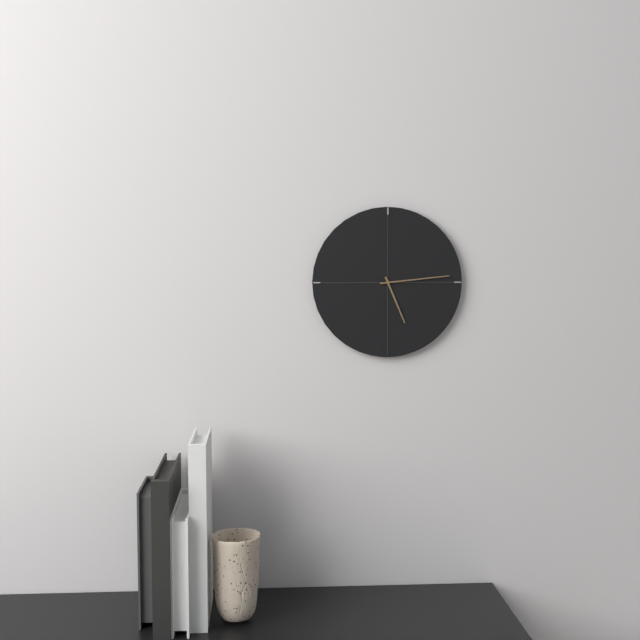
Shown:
5:14
